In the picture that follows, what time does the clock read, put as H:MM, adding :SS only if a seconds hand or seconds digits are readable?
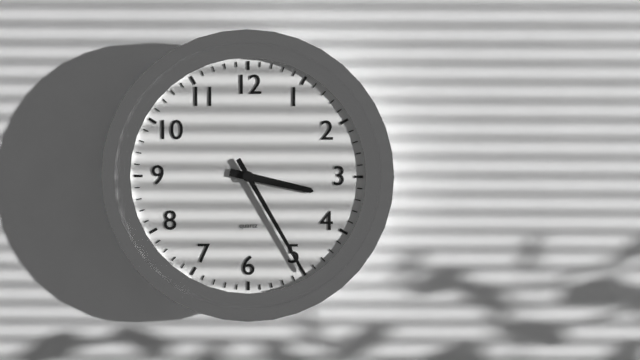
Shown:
3:25
